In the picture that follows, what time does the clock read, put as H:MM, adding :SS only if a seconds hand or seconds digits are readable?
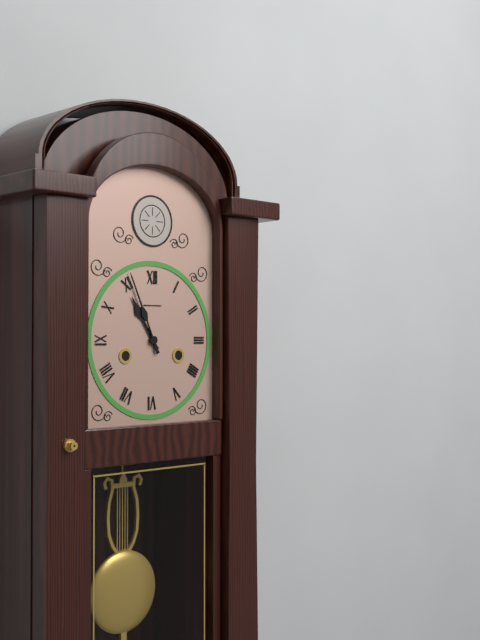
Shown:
10:56
